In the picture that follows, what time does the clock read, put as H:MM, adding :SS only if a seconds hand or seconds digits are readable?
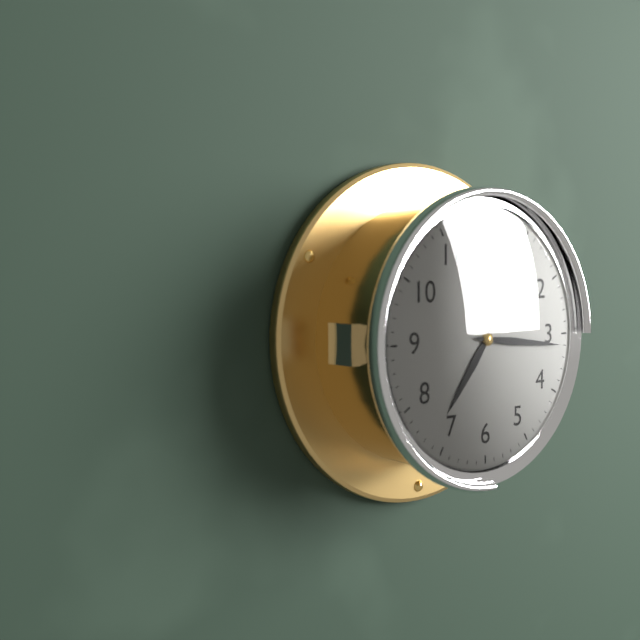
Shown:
7:16
